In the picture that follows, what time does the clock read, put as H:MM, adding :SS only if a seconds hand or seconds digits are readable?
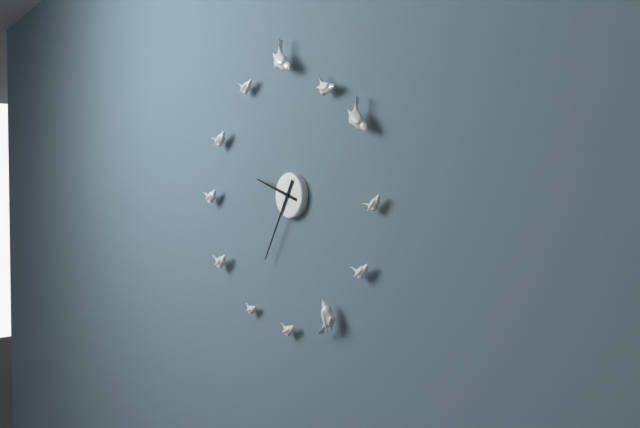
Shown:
9:35
